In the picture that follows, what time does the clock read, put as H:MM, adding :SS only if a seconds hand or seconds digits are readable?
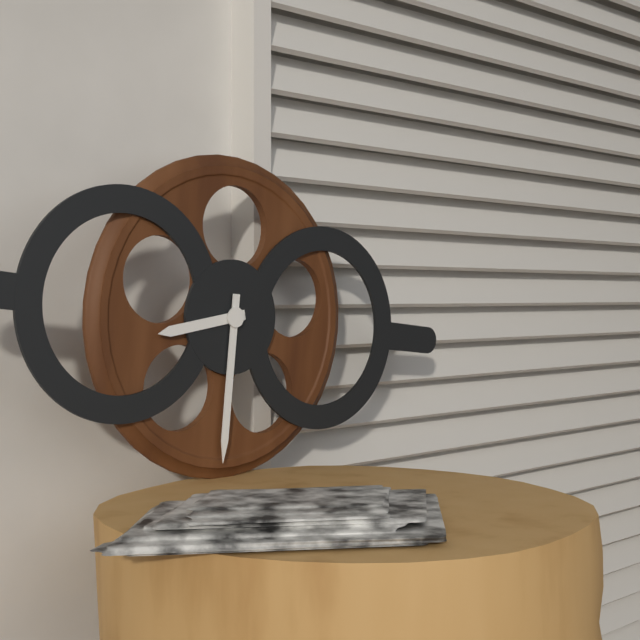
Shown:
8:30
